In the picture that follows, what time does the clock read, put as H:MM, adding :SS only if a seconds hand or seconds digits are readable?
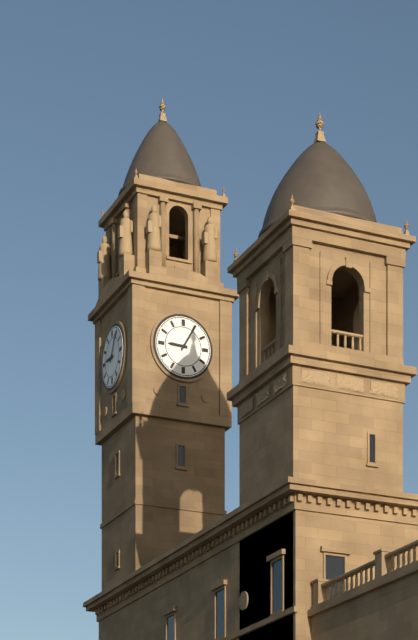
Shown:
9:05
